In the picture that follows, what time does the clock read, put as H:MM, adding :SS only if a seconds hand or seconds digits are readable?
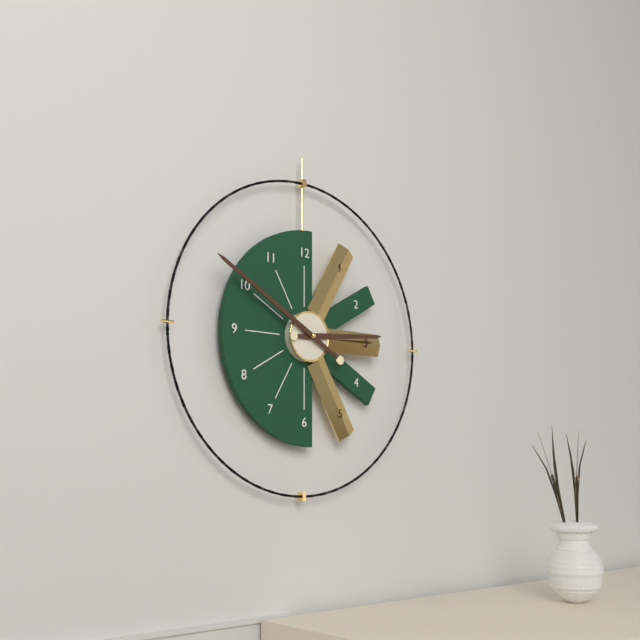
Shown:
2:50
